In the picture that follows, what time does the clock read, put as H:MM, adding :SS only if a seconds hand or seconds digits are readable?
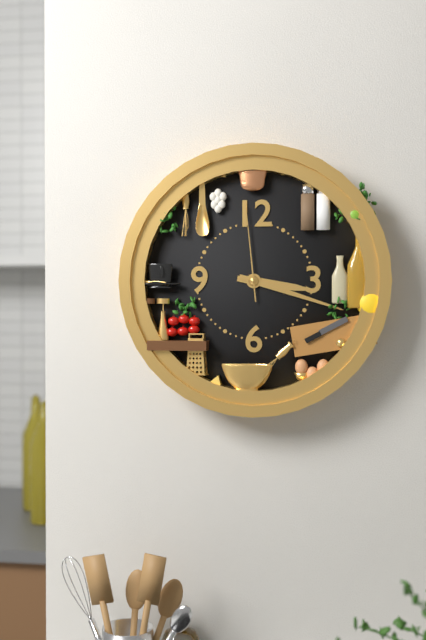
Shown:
3:18:59
